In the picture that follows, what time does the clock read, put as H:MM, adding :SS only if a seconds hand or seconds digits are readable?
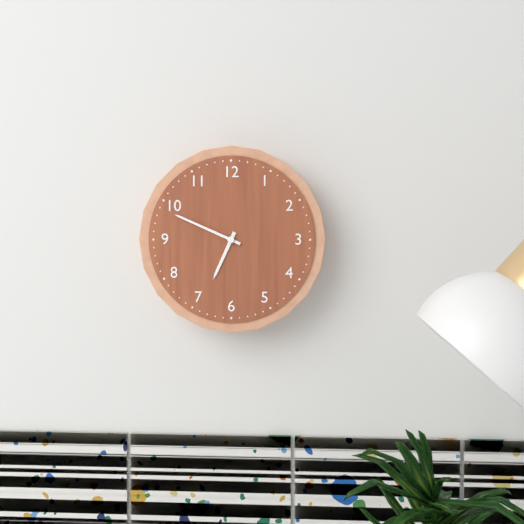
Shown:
6:49
